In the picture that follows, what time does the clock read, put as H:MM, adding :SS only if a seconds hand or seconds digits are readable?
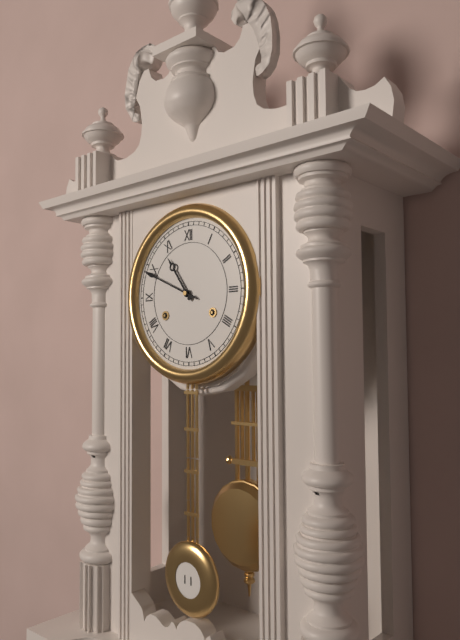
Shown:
10:49
